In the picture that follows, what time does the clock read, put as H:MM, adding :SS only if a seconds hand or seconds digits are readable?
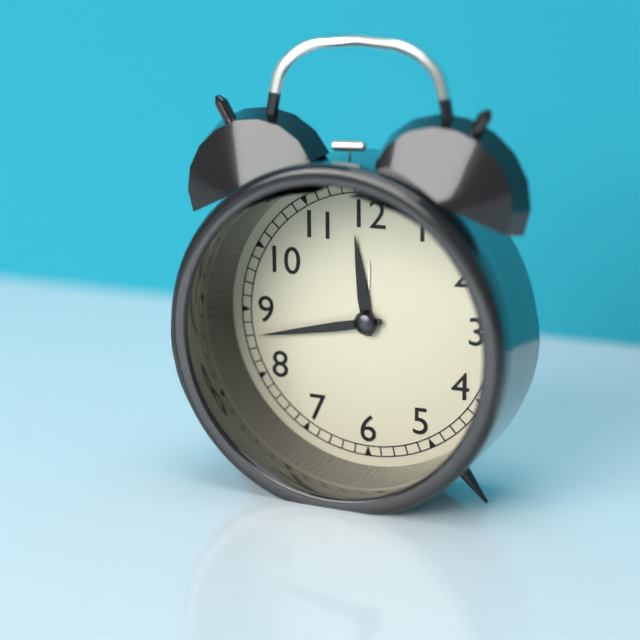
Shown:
11:43
